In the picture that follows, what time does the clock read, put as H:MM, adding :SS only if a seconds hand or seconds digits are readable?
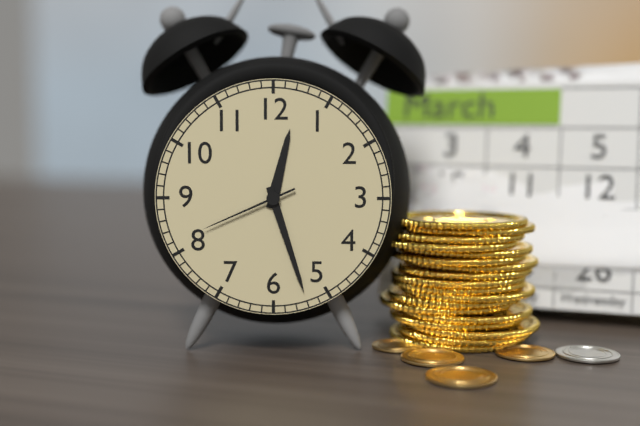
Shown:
12:27:41
